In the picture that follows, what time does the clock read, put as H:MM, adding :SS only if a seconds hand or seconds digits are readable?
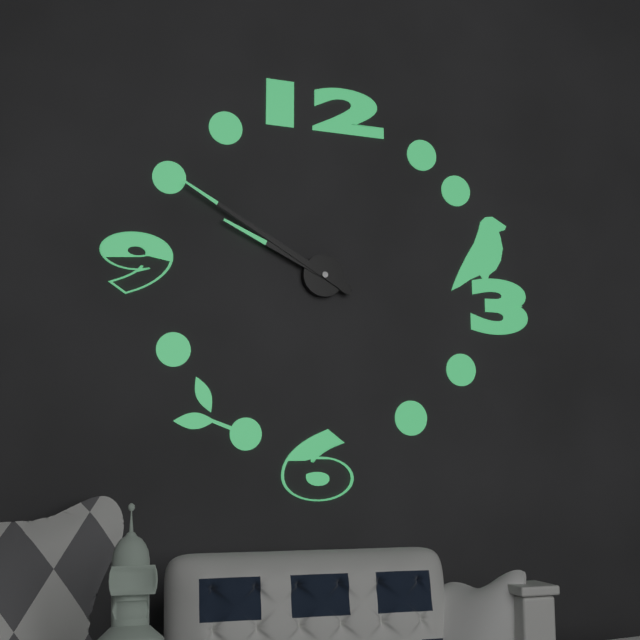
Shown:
9:50
